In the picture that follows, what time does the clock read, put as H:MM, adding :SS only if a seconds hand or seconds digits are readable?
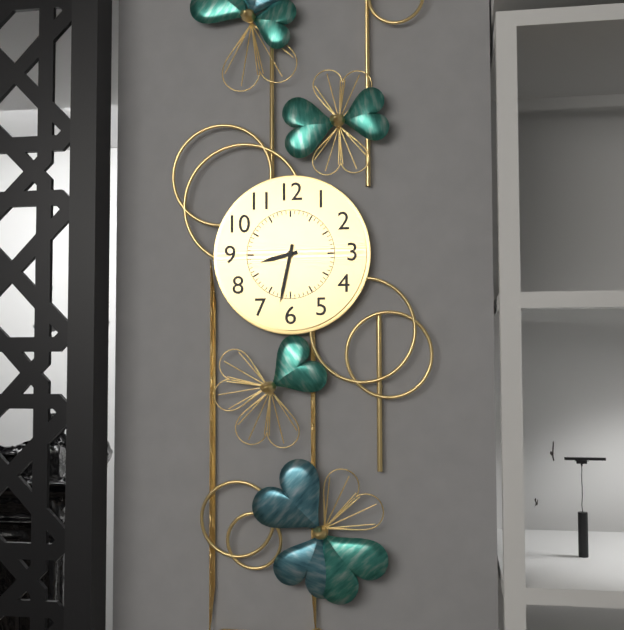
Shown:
8:32
